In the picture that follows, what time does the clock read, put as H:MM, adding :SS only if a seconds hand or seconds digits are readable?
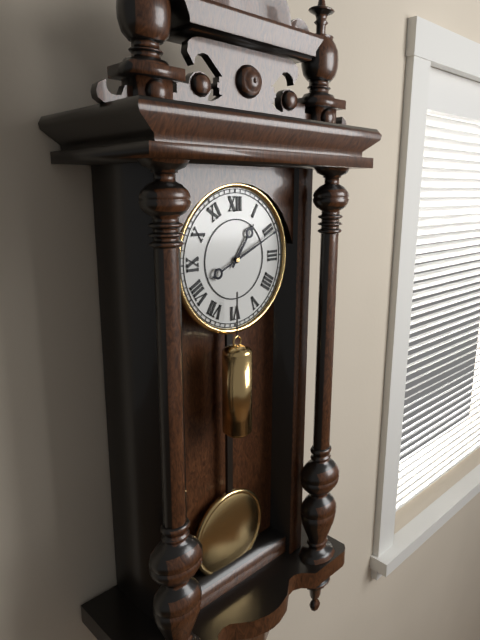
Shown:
1:11
